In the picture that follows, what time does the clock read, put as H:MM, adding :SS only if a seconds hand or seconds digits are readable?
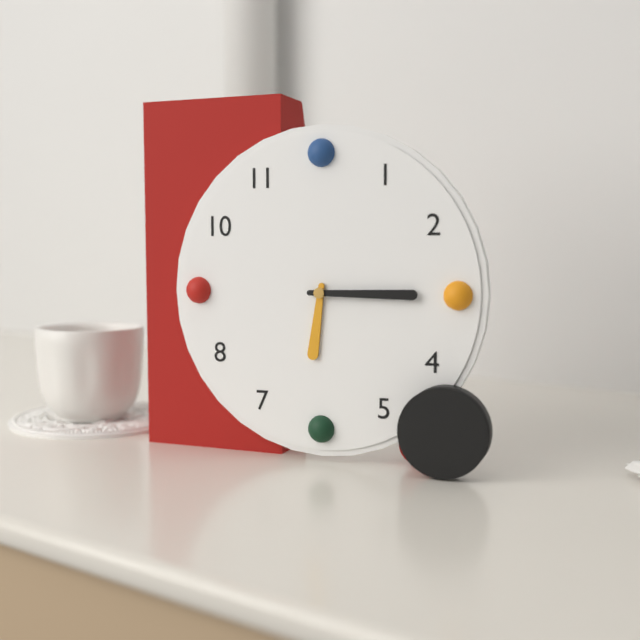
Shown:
6:15
